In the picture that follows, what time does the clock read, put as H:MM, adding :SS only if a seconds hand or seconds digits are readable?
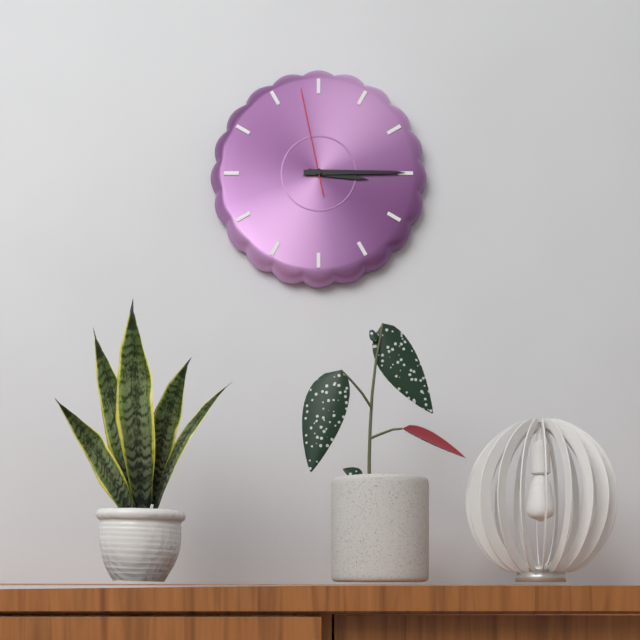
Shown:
3:15:58
